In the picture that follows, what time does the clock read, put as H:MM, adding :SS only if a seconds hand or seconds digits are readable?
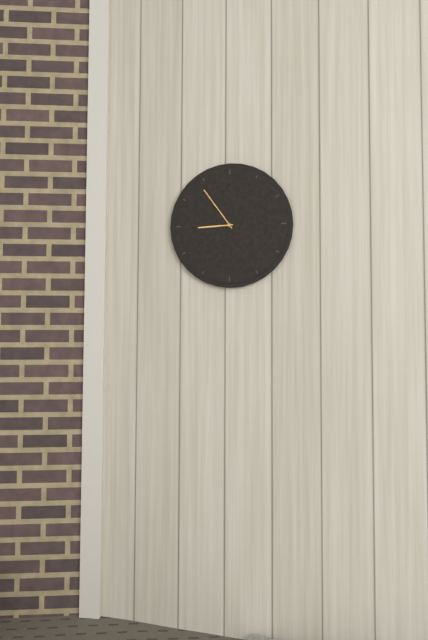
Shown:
8:54
